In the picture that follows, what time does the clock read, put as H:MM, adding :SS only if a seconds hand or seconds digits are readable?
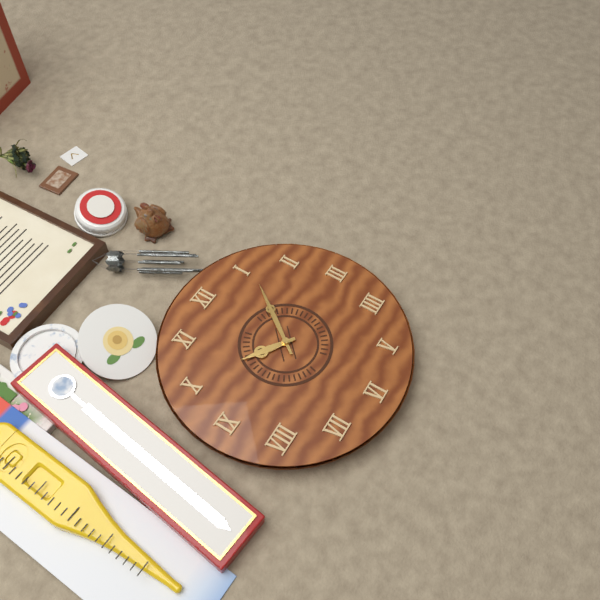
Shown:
10:06
